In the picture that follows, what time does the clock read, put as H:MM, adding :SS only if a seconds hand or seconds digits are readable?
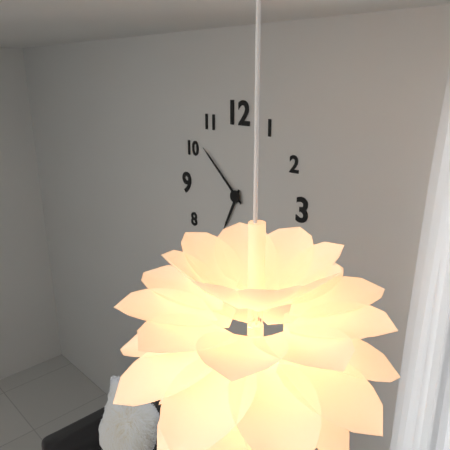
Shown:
6:52
